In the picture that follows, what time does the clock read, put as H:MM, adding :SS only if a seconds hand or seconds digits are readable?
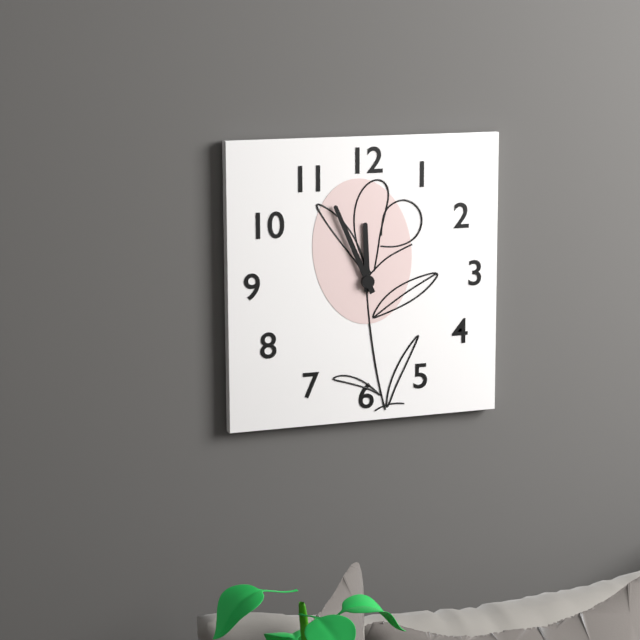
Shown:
11:56
